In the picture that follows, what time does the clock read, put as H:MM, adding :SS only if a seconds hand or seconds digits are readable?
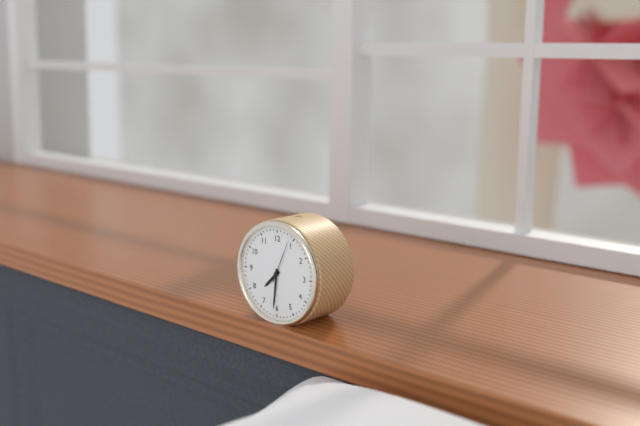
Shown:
7:31
